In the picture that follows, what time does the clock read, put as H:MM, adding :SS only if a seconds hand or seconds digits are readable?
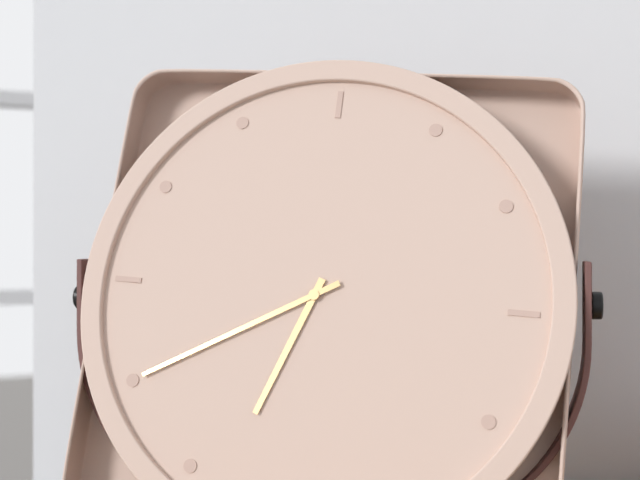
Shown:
6:40
